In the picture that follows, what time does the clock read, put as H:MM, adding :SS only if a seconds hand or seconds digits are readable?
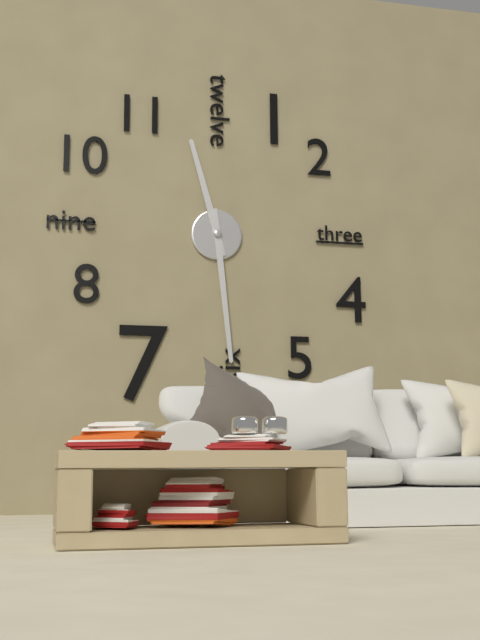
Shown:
11:29
